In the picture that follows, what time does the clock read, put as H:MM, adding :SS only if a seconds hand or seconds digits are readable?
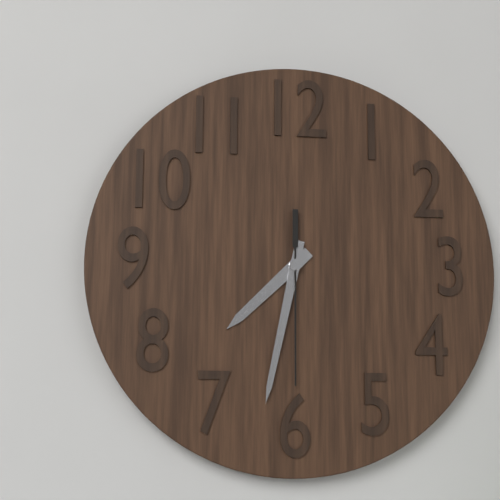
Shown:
7:32:30
